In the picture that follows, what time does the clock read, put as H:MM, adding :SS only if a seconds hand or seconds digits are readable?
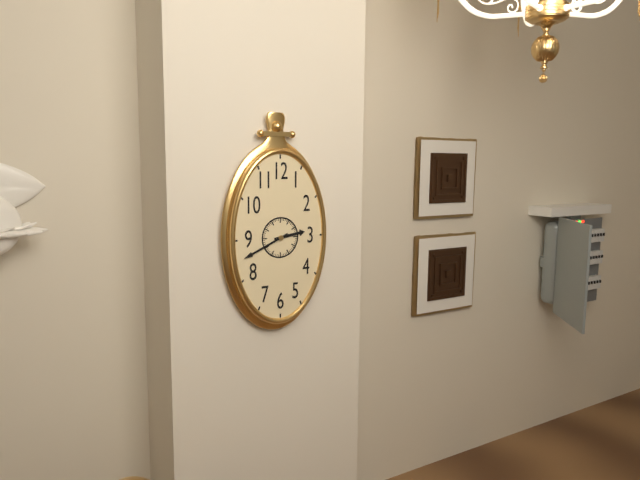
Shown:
2:41
